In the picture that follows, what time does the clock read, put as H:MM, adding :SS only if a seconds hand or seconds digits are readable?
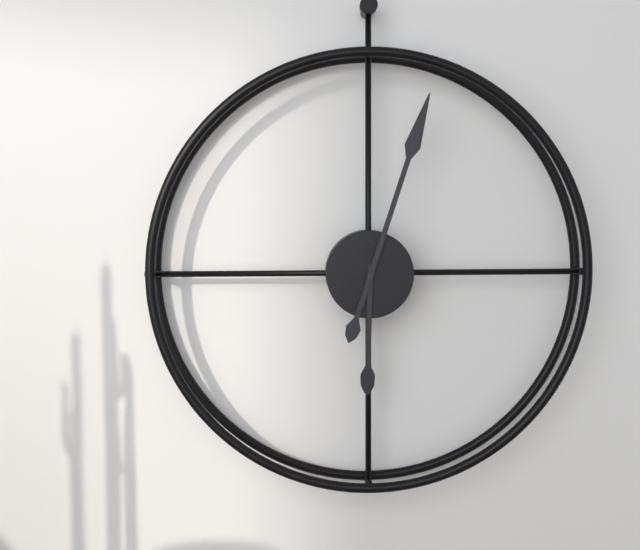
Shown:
6:03
